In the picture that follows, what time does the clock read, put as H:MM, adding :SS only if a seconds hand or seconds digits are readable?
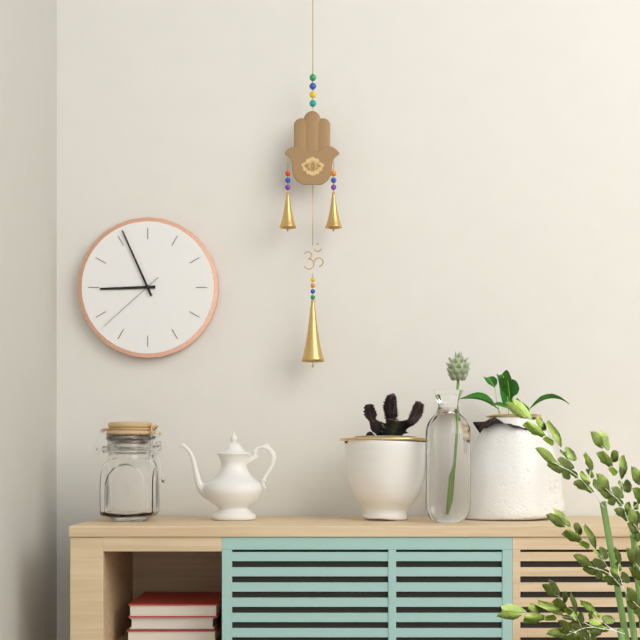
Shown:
8:56:38
